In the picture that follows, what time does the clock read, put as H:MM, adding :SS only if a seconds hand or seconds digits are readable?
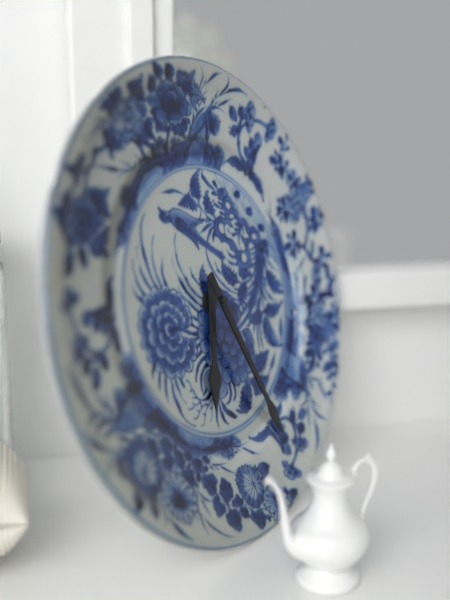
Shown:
6:26
